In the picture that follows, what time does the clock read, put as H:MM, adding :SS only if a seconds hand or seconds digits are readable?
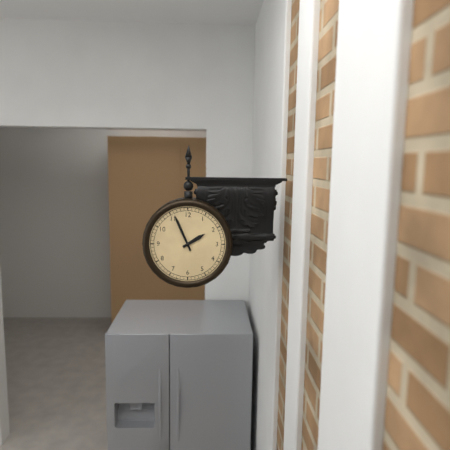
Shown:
1:56
